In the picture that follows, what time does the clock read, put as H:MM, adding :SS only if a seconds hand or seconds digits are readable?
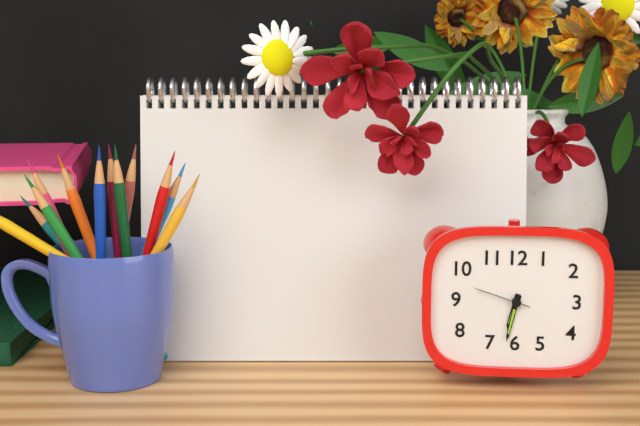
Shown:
6:32:48
